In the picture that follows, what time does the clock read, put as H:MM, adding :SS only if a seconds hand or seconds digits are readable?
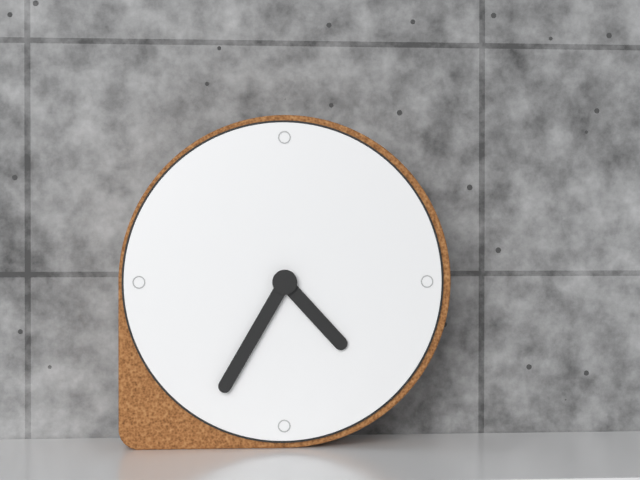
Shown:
4:35
